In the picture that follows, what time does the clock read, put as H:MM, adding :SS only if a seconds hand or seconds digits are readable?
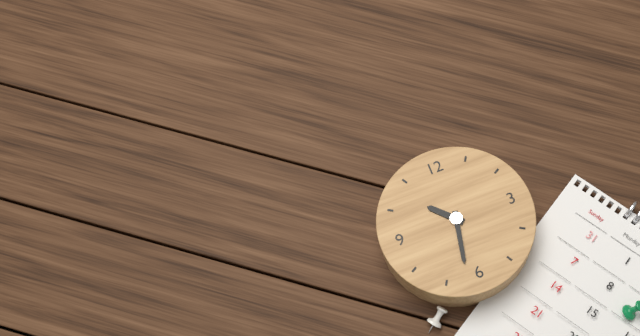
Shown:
10:32
